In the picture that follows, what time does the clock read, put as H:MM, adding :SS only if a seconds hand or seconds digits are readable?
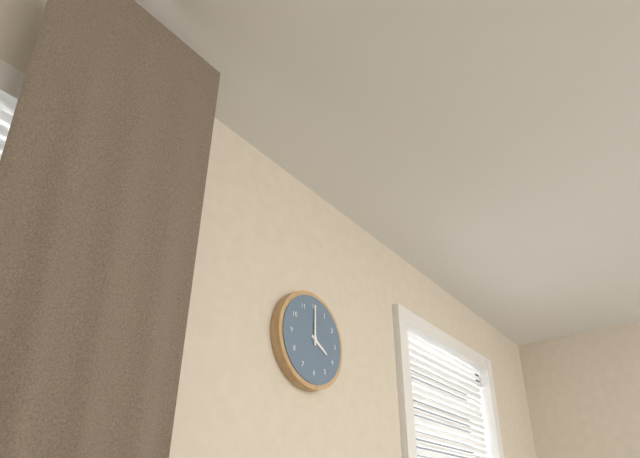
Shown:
4:00
